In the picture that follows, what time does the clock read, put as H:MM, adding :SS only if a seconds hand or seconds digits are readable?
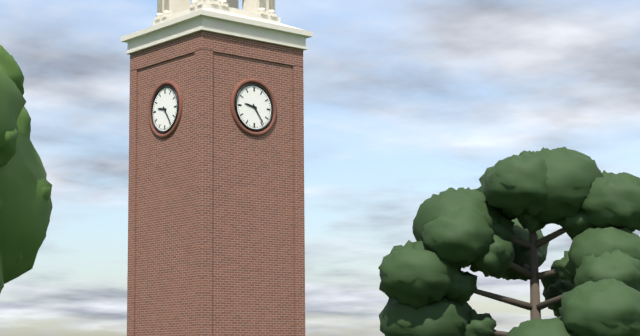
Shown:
9:24
